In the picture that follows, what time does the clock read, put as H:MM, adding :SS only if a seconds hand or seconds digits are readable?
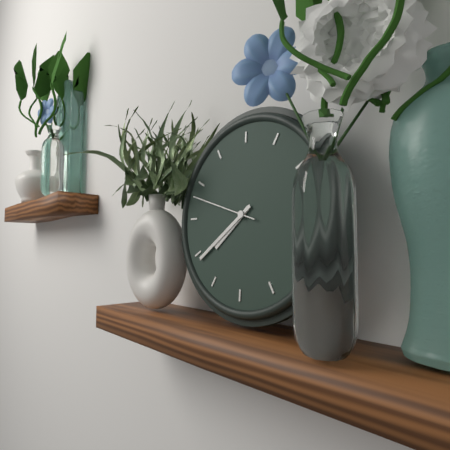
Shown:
7:39:48
